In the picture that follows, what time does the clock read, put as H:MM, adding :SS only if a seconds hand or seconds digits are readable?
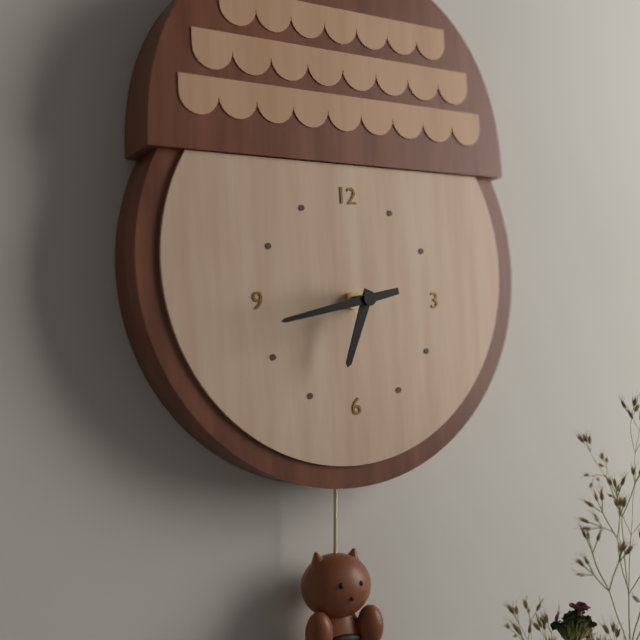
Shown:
6:43
